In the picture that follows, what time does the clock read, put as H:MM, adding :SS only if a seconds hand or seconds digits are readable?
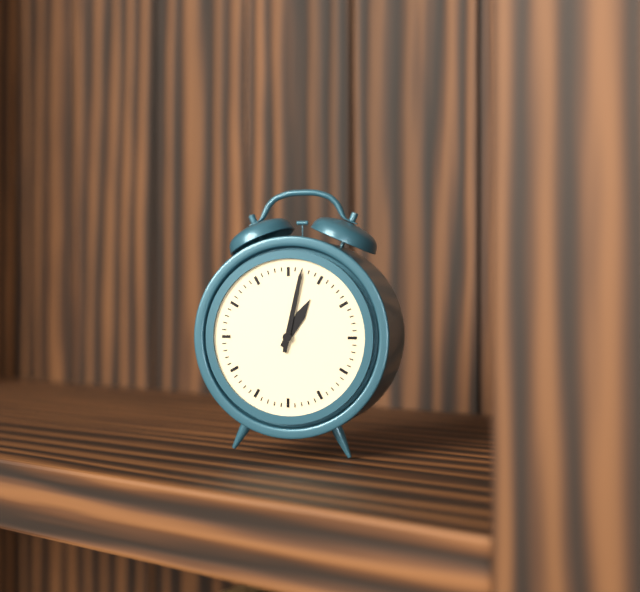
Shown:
1:02
